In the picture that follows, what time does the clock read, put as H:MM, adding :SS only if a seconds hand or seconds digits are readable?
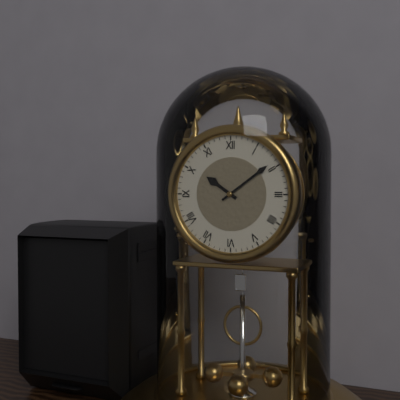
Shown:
10:09
